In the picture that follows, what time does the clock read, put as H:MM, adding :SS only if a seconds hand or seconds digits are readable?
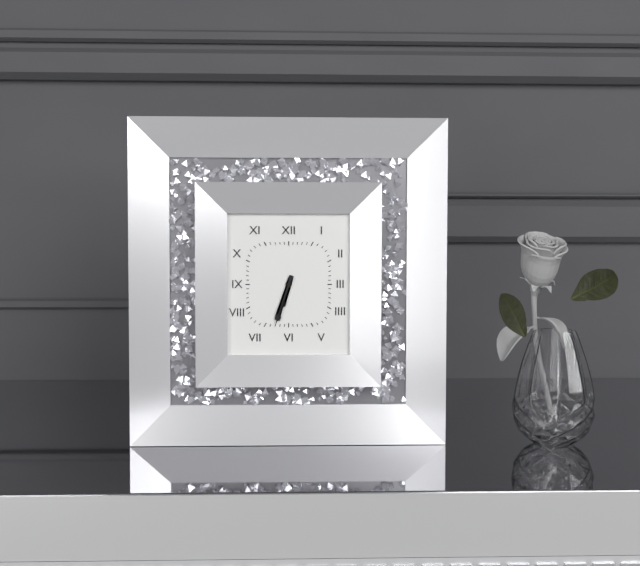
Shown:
6:33
